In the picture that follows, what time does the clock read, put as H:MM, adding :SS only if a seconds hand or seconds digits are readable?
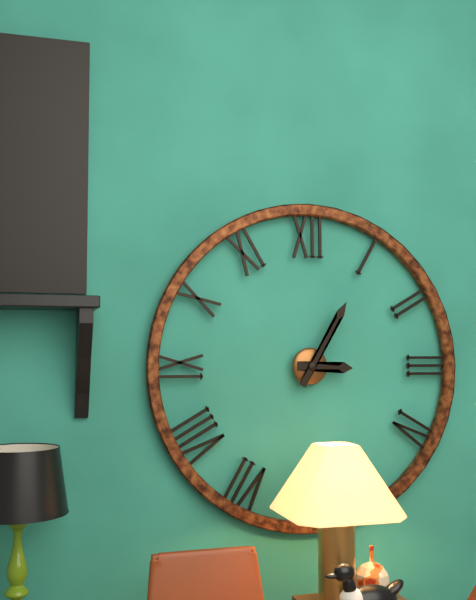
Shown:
3:05
